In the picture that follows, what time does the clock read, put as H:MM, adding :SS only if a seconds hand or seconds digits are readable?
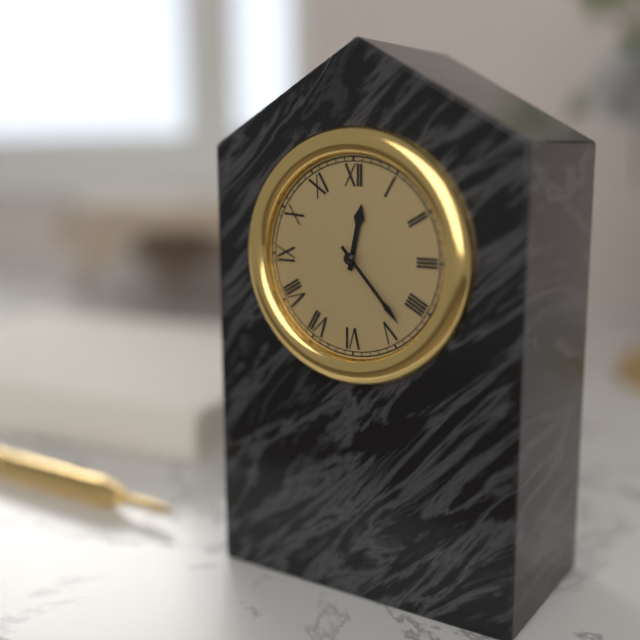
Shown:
12:23
